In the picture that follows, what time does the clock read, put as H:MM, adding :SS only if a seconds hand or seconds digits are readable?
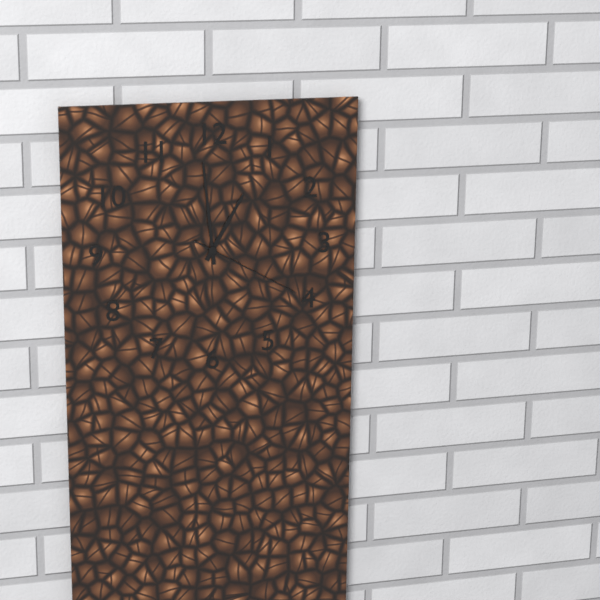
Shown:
12:59:20
